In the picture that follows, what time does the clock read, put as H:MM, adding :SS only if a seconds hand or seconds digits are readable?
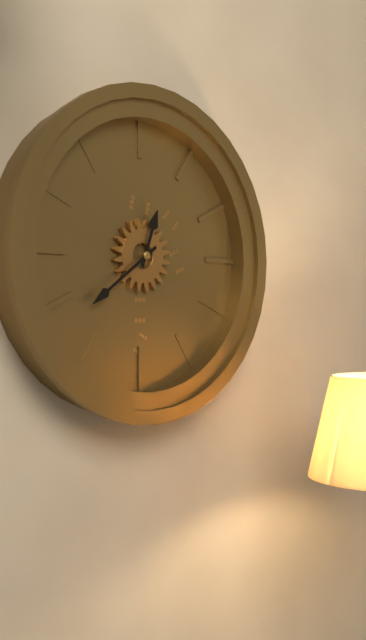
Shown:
12:39
